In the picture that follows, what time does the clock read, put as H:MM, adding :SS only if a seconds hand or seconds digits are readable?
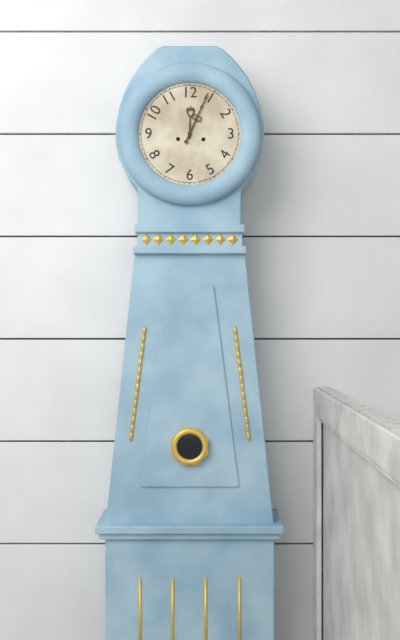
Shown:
12:04
